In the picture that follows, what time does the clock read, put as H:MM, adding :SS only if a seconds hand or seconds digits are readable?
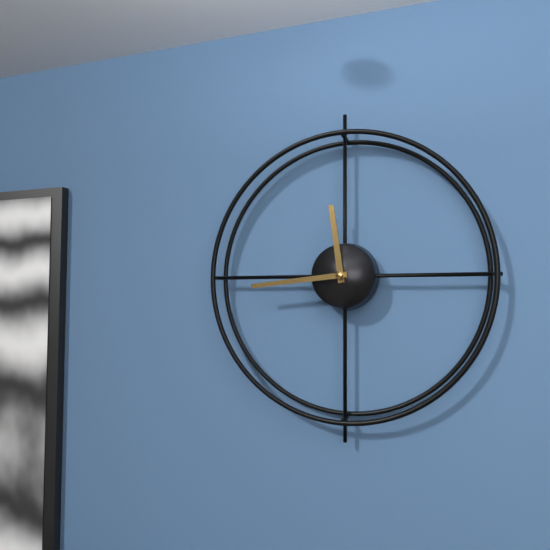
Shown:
11:44
